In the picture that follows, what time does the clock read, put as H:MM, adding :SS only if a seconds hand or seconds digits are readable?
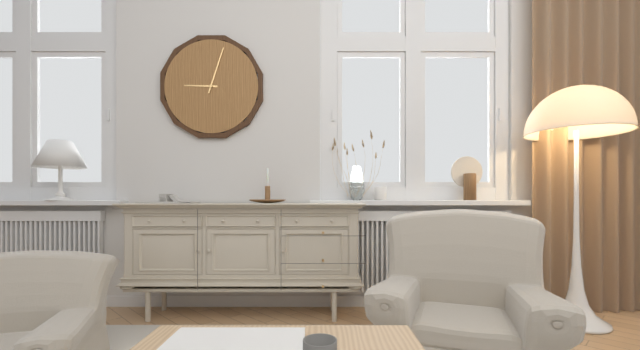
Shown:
9:03
